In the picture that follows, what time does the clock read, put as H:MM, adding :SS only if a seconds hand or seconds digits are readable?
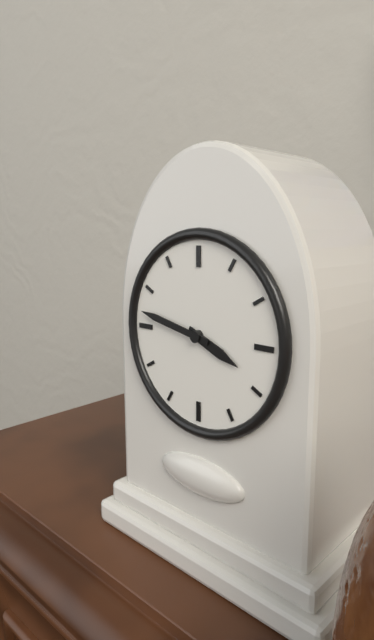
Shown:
3:47
